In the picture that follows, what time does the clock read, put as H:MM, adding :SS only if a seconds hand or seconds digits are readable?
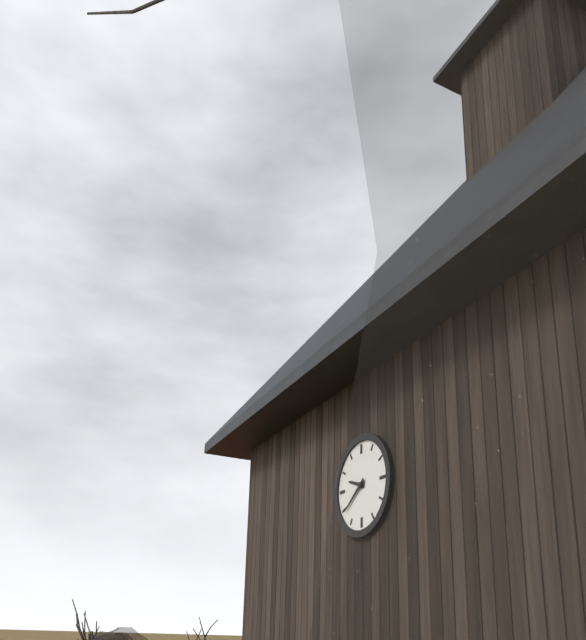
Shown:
9:39
